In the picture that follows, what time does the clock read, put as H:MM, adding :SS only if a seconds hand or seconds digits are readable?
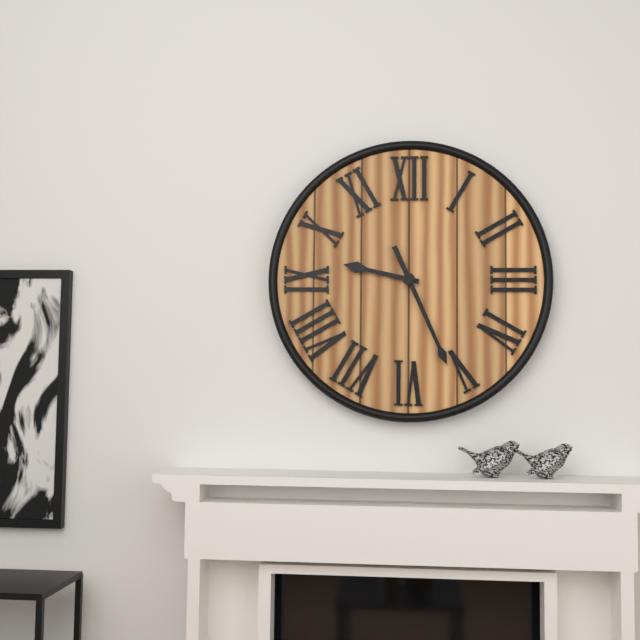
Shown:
9:26
